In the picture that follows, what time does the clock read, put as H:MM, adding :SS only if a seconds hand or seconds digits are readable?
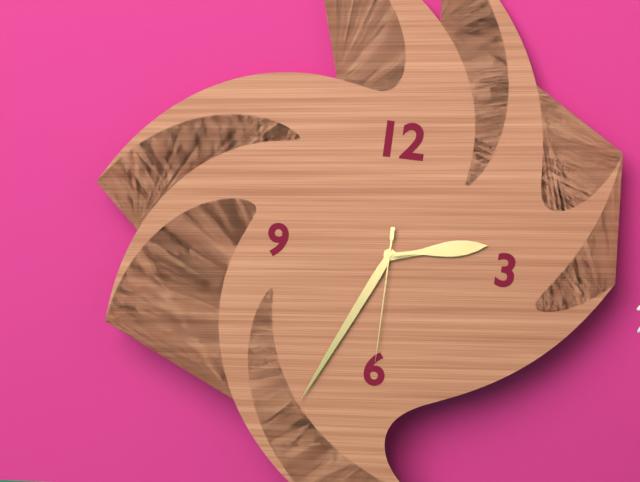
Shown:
2:34:30
